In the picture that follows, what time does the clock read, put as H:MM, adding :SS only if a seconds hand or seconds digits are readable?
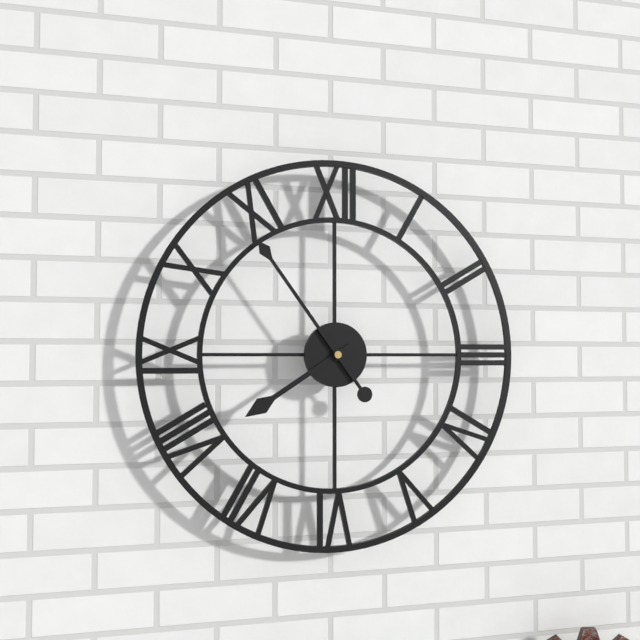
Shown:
7:54
